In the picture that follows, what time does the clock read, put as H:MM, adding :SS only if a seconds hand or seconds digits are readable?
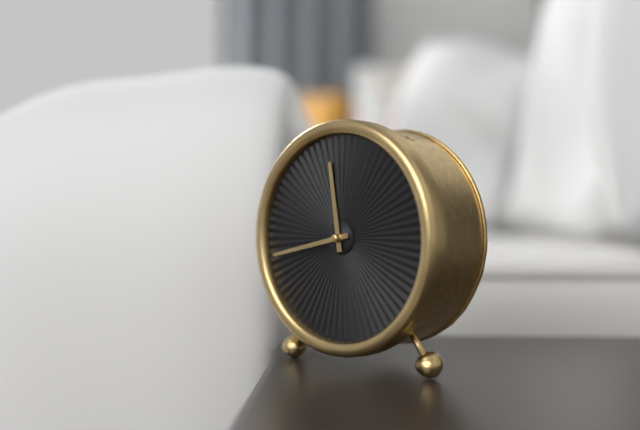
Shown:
11:43
